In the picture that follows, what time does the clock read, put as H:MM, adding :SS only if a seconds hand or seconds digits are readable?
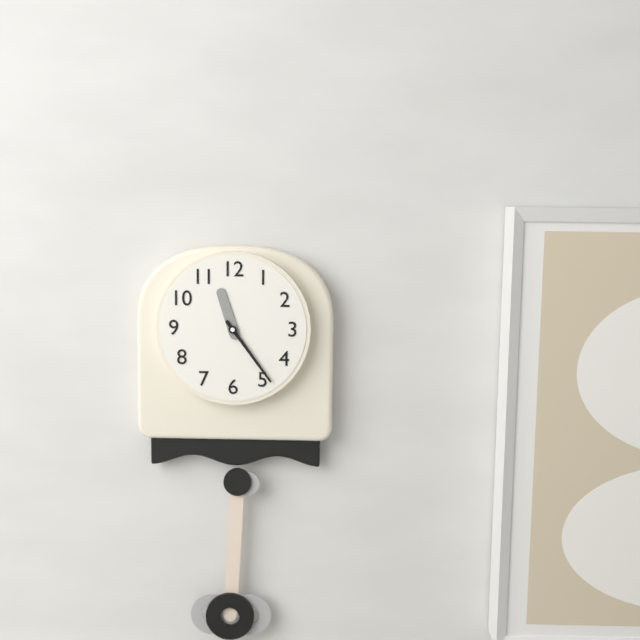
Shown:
11:24
